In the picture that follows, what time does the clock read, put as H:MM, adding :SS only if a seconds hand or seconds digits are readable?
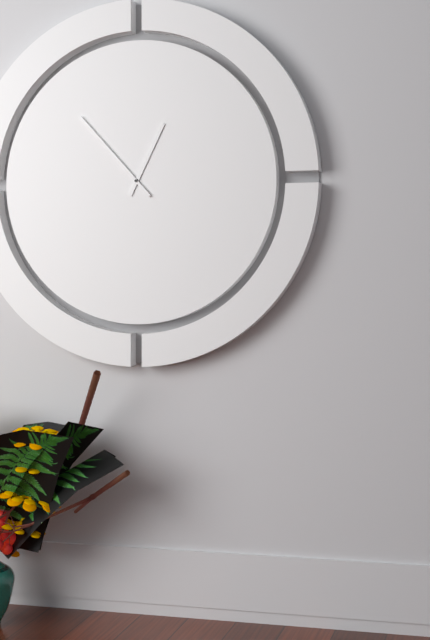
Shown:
12:53
